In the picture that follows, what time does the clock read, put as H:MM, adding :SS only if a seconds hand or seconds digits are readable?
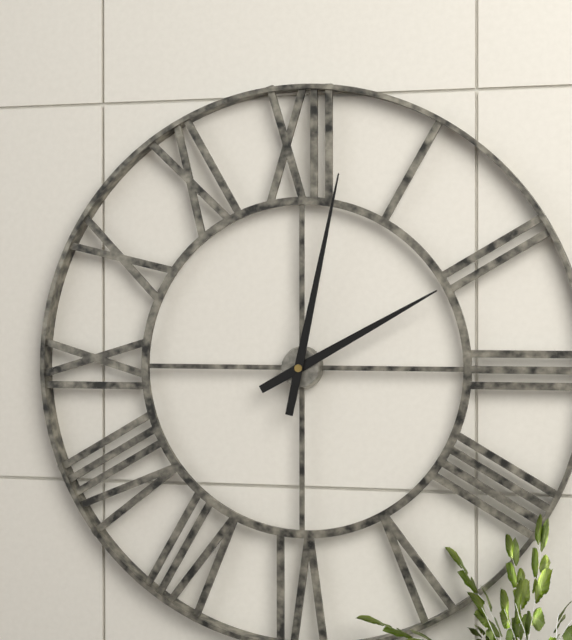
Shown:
2:02
